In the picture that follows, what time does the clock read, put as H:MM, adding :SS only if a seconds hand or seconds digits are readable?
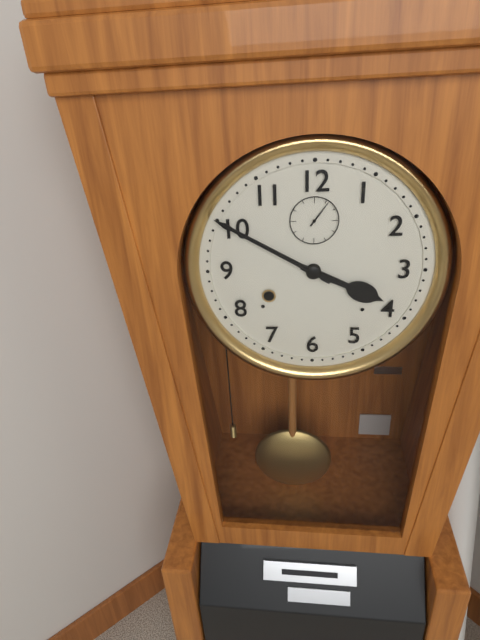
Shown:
3:50
